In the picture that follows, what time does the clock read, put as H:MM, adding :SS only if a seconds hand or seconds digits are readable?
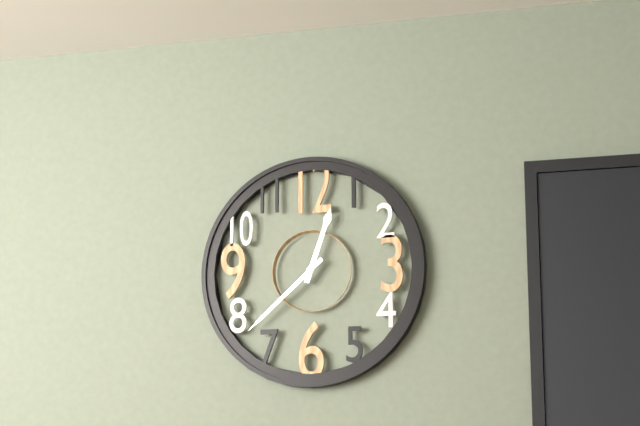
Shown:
12:38
